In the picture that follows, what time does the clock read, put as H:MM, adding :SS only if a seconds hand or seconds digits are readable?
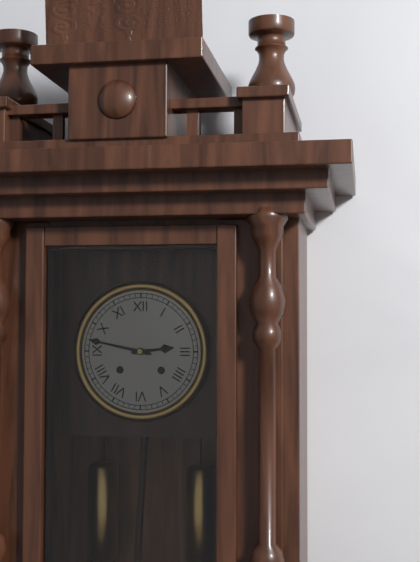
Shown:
2:47
